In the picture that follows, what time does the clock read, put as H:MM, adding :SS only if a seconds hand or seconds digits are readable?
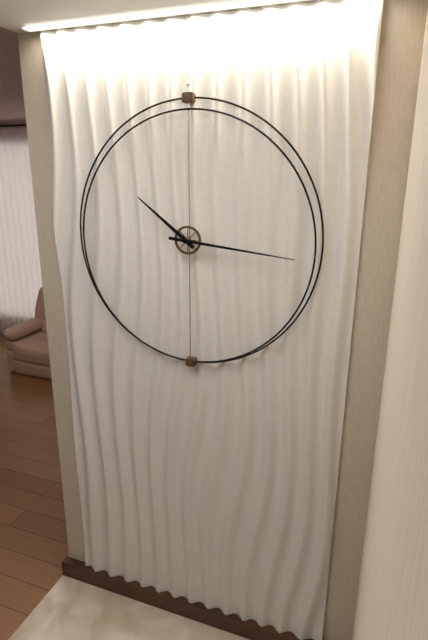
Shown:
10:16
